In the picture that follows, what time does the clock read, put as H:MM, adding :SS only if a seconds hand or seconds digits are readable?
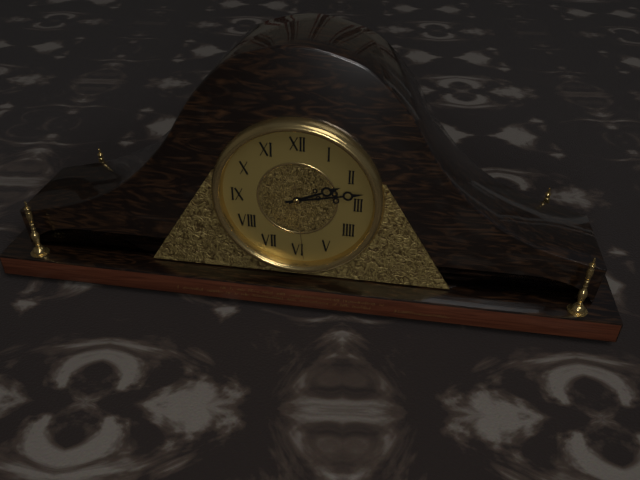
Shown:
2:13:29
